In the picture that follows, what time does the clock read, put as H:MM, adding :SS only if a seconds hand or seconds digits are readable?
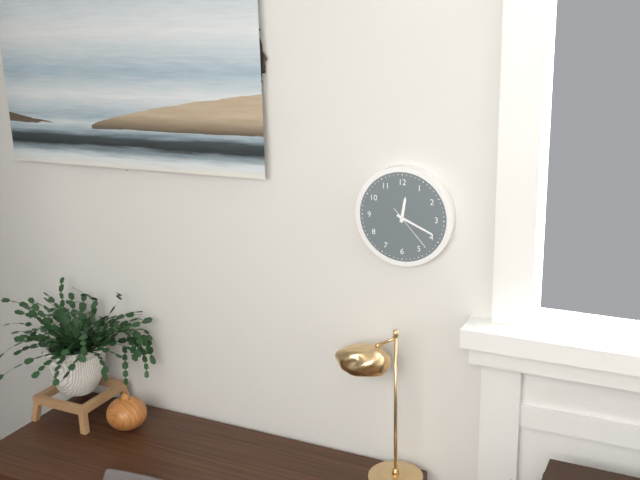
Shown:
12:19
